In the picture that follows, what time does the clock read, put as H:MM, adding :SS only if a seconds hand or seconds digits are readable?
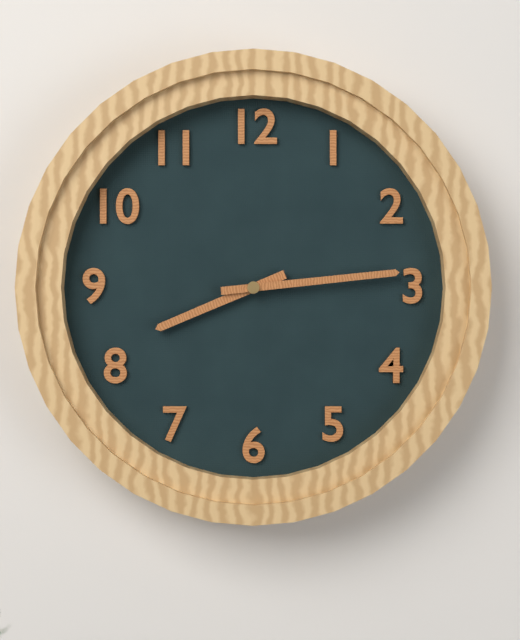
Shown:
8:14
